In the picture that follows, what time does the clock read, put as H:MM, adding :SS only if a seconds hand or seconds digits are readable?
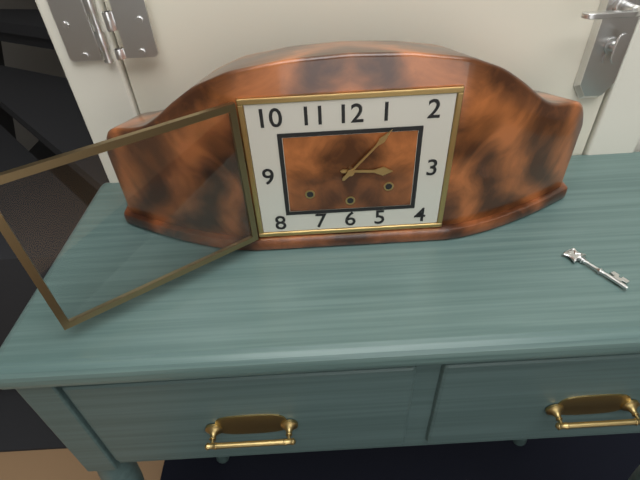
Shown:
3:07
